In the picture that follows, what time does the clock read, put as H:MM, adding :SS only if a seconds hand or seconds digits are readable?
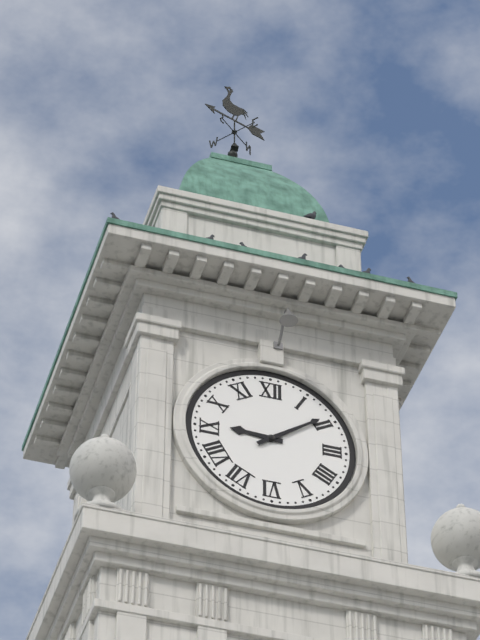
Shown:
9:09
